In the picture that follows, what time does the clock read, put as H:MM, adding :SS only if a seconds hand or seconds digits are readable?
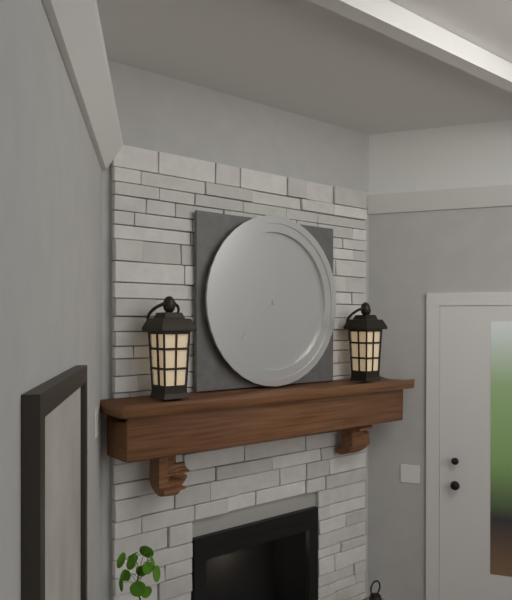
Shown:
3:38
